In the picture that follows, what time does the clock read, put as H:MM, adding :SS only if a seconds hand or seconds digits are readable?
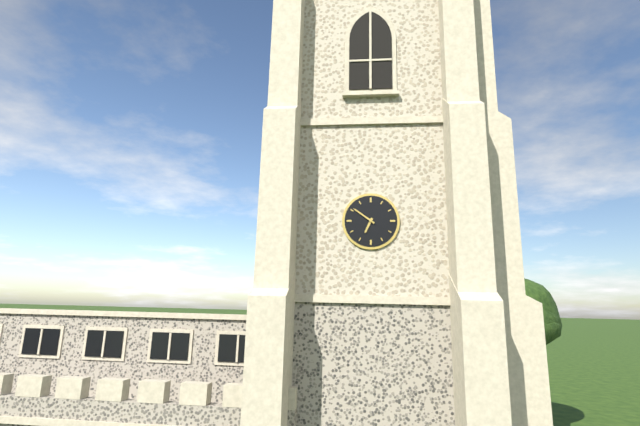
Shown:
6:51
